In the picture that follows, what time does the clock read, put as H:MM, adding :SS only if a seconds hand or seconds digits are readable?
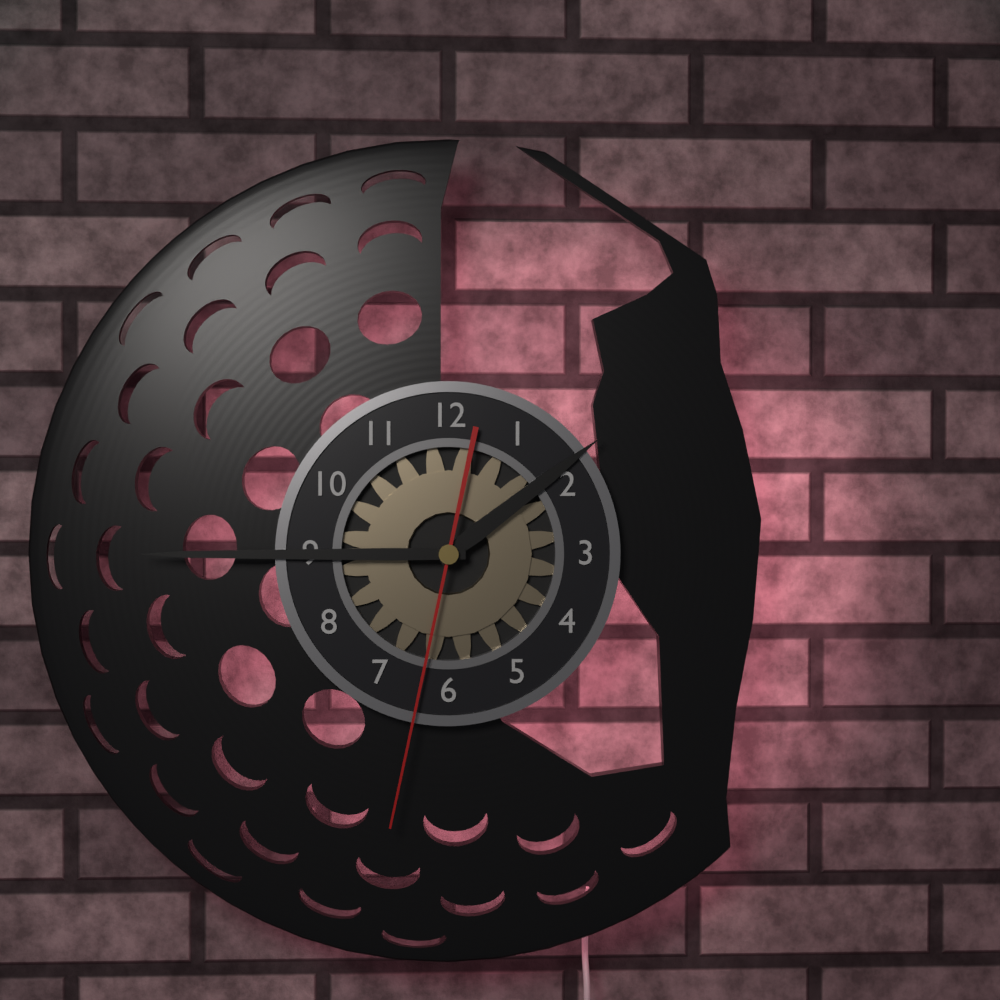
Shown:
1:45:32
